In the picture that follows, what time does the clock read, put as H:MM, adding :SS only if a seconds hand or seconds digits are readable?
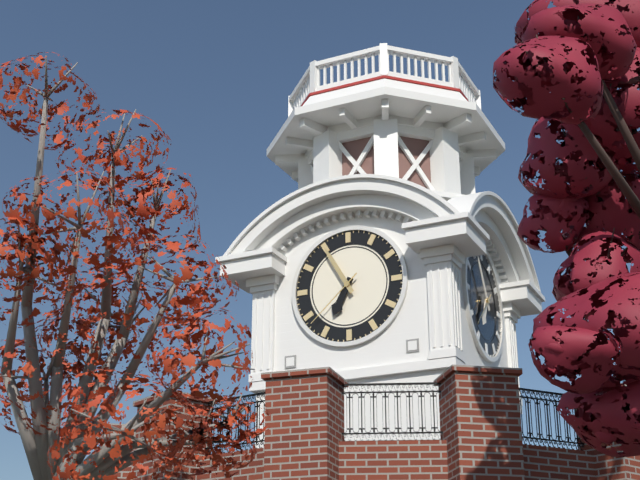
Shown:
6:55:38
